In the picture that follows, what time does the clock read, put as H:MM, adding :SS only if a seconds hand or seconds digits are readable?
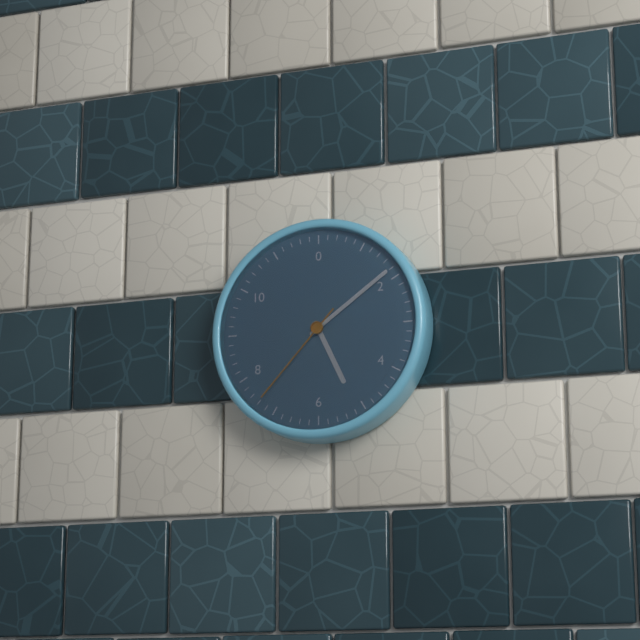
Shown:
5:09:37
